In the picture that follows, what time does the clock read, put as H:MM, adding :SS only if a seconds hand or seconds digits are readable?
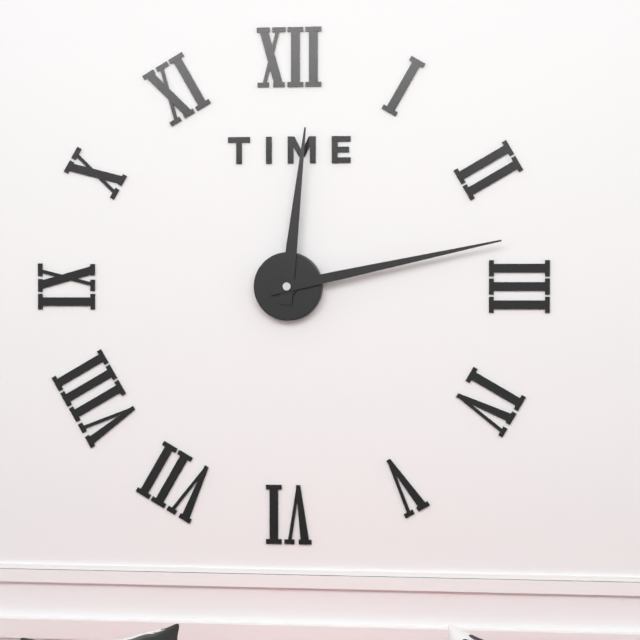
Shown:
12:13
